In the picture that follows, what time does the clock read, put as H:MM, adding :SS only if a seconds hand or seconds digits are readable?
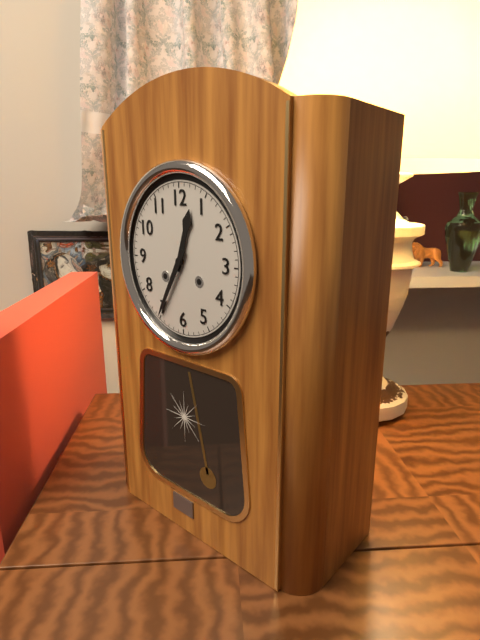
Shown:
12:35
